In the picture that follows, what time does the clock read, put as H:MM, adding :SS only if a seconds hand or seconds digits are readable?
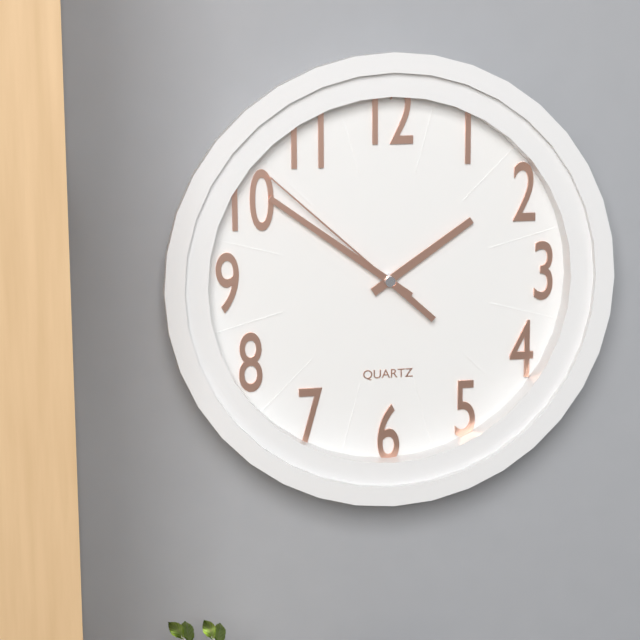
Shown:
1:51:52
